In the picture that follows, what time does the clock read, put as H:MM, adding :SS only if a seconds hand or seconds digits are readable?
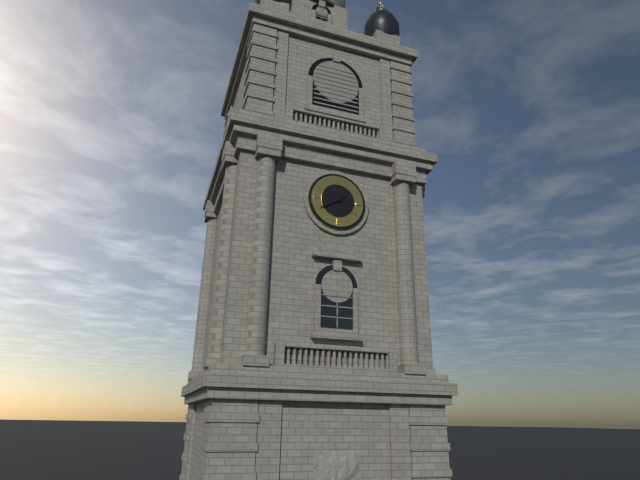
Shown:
1:40
